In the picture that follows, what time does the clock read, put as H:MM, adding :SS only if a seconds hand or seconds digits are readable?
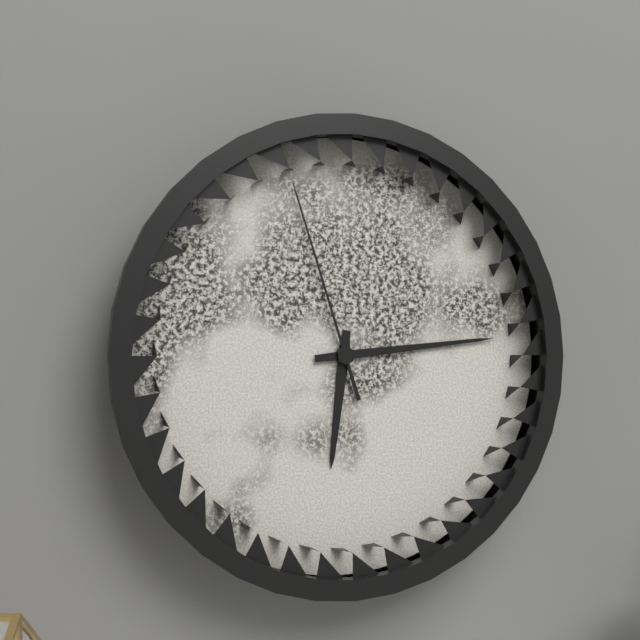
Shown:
6:14:57
